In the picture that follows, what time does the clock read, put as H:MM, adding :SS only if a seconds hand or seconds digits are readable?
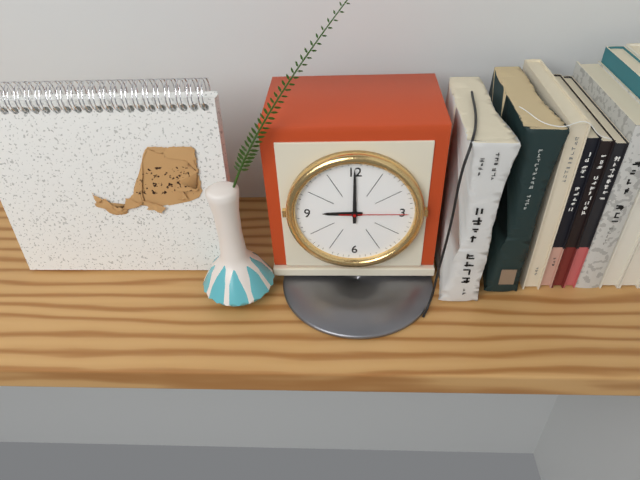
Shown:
9:00:15
